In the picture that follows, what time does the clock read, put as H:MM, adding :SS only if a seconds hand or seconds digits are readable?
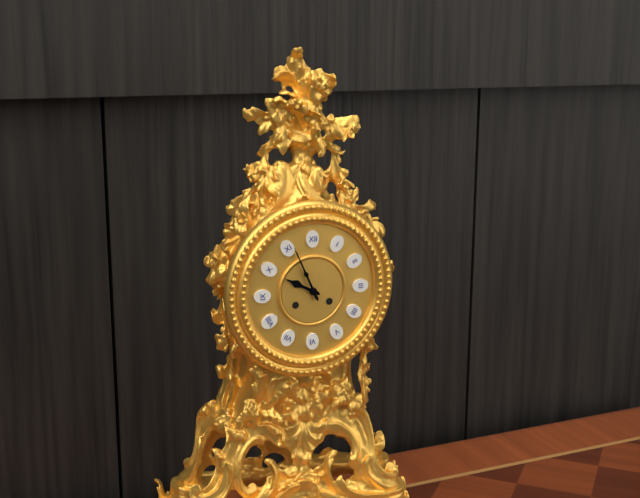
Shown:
9:56
